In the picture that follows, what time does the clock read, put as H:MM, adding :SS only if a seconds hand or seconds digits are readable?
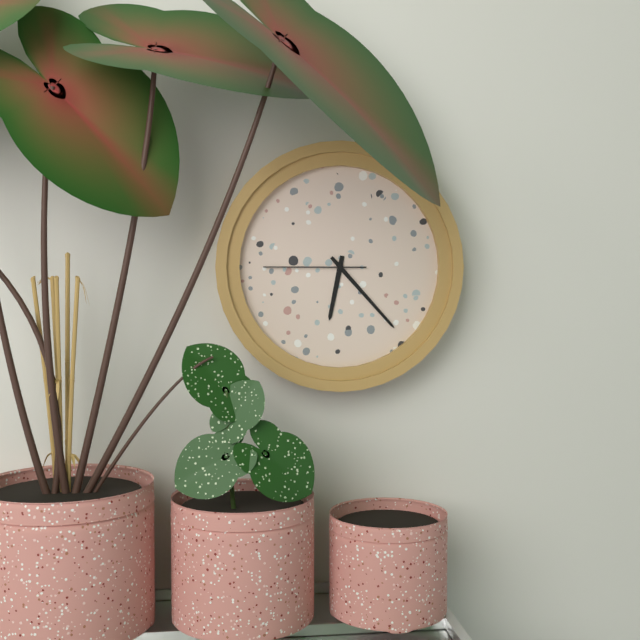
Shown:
6:23:45
